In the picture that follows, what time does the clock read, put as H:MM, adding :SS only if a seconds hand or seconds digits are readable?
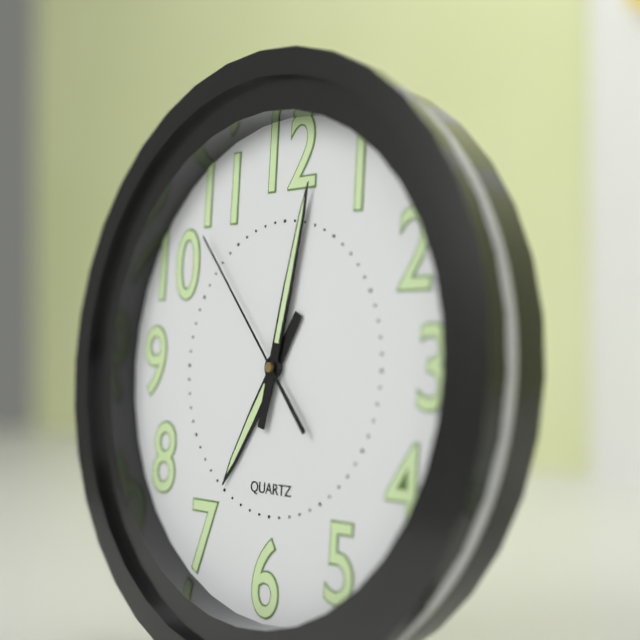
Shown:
7:02:53
